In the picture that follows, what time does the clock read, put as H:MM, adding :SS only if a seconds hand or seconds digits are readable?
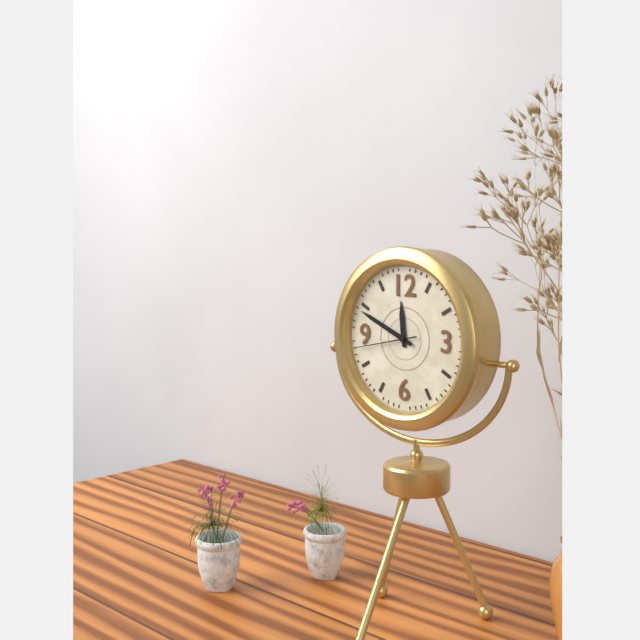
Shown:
11:49:43
